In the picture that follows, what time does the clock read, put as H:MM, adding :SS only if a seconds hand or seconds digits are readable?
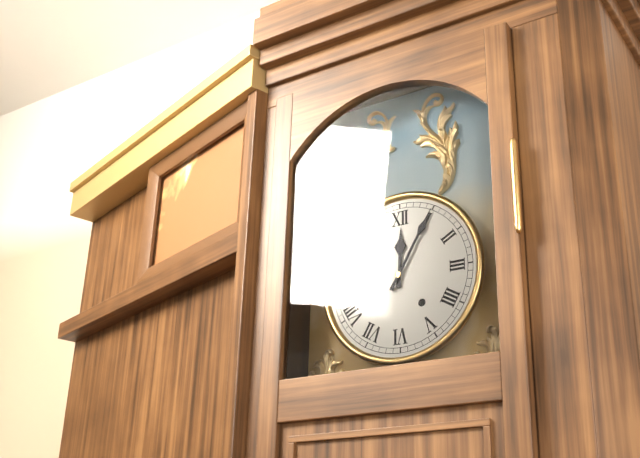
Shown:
12:05
